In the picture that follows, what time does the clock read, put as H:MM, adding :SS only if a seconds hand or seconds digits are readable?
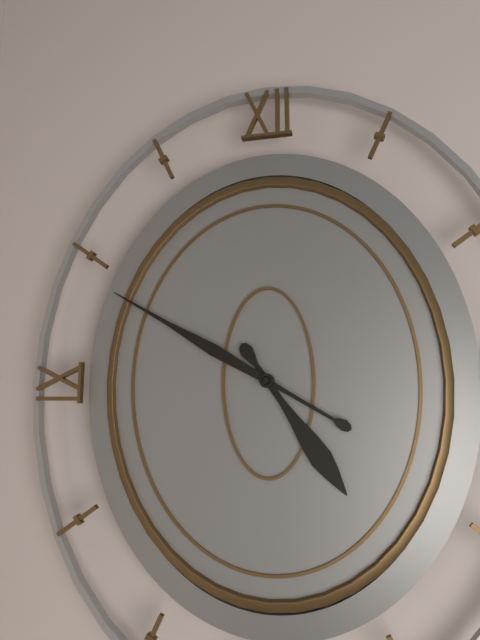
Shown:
4:50
